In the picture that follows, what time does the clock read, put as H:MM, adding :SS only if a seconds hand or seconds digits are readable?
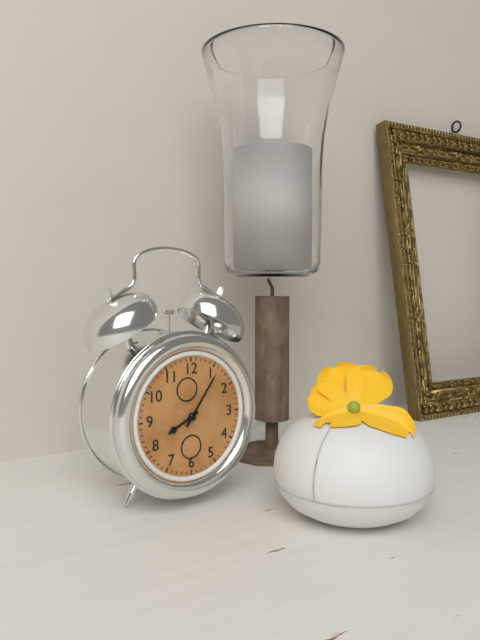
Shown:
8:06
